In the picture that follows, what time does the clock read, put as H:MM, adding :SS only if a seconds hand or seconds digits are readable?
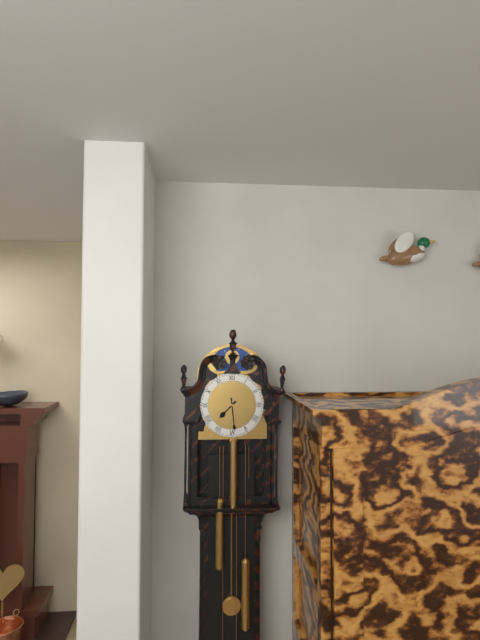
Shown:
7:29
